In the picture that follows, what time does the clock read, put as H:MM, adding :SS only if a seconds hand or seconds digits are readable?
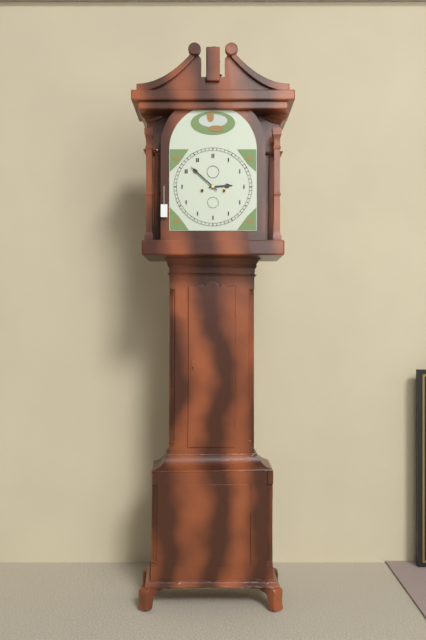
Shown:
2:52
